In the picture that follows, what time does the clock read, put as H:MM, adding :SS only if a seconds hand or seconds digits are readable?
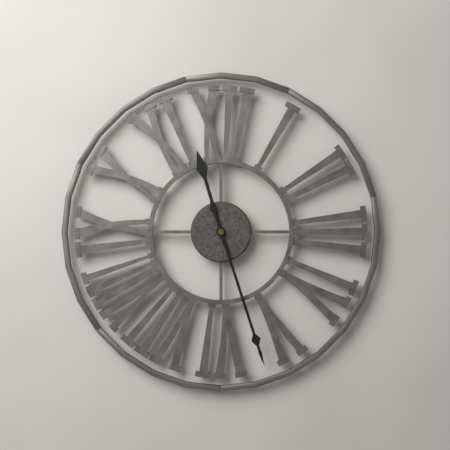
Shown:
11:27
